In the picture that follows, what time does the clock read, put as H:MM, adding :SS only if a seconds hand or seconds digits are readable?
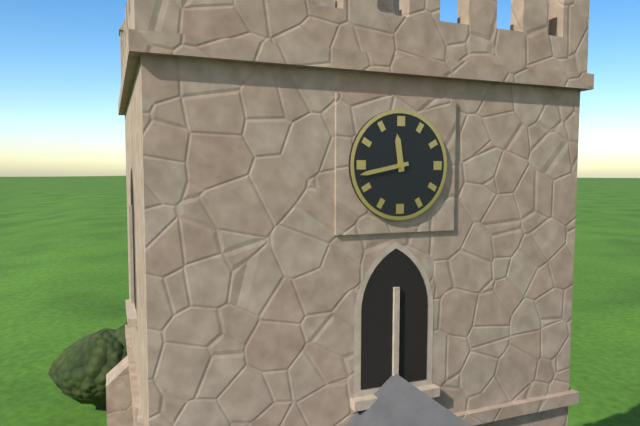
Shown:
11:43
